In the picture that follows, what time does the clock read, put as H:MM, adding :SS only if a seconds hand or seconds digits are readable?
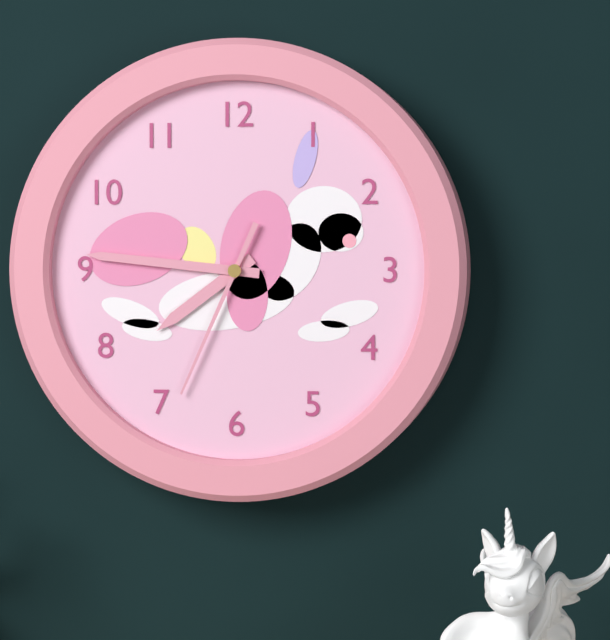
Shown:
7:46:34
